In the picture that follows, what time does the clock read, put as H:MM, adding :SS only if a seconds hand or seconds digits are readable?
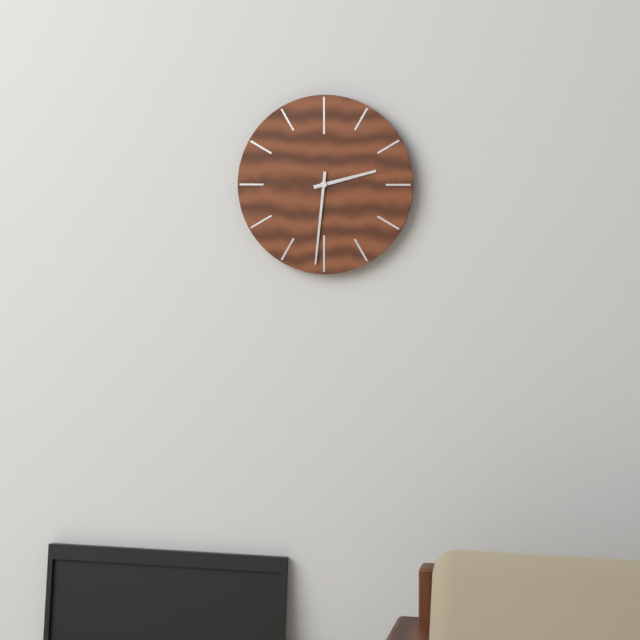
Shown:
2:31
